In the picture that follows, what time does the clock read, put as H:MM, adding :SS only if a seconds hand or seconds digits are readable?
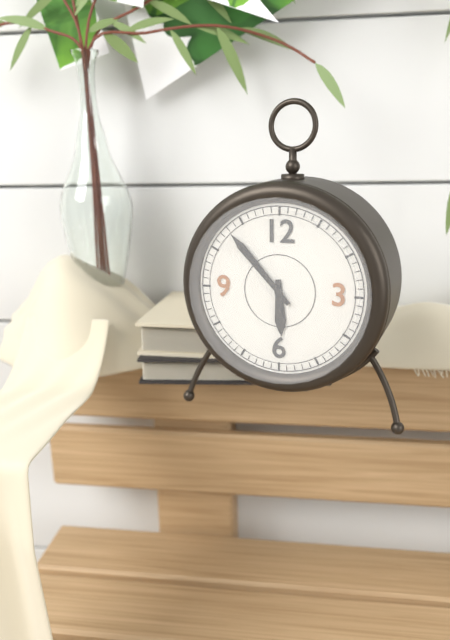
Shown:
5:53
